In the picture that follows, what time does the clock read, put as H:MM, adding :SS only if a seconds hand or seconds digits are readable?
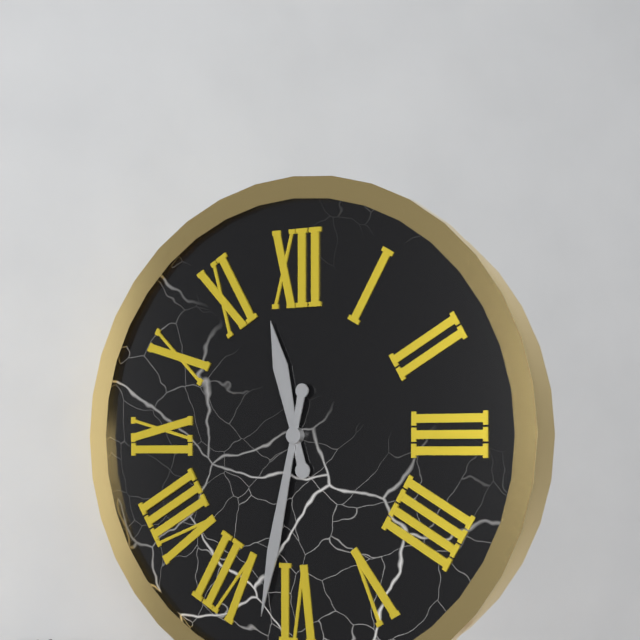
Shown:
11:32
